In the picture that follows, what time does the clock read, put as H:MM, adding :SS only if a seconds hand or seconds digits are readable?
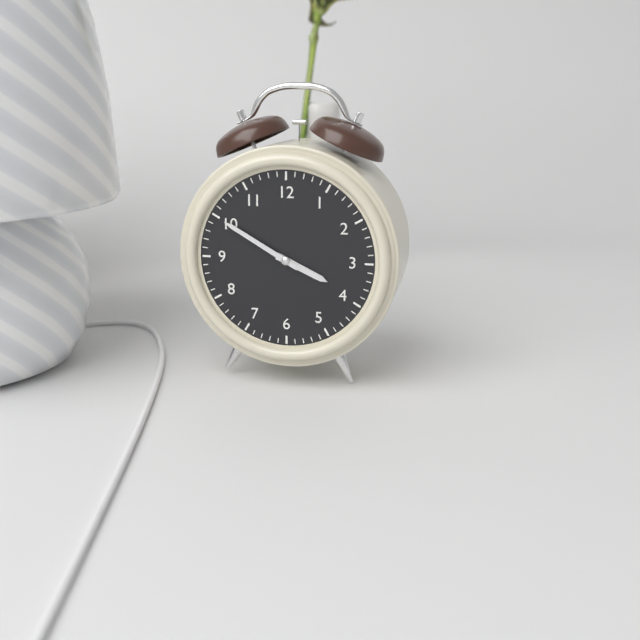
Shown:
3:50
